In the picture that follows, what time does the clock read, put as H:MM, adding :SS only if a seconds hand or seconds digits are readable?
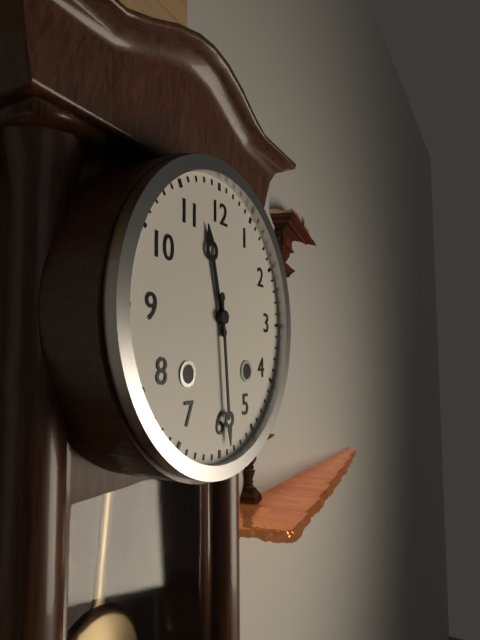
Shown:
11:29
